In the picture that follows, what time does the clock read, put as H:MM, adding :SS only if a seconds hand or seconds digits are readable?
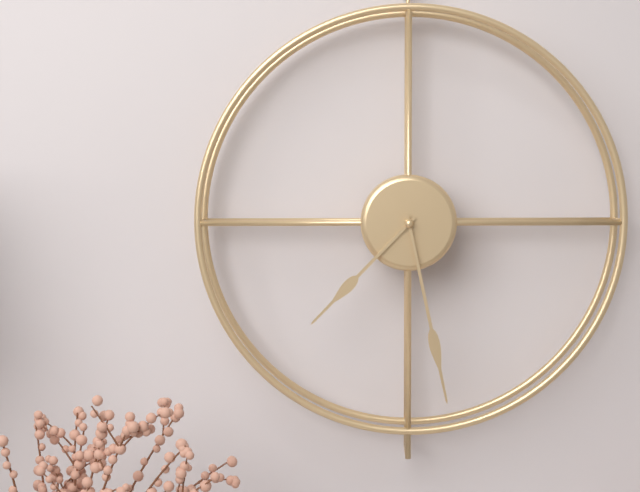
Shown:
7:28
